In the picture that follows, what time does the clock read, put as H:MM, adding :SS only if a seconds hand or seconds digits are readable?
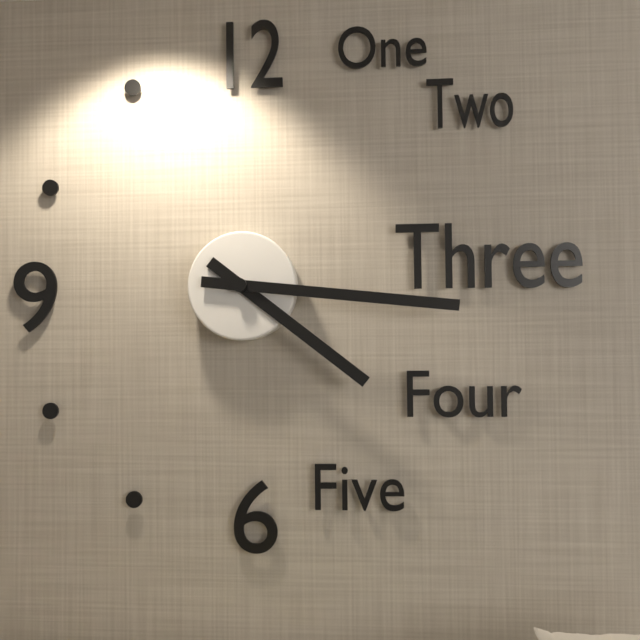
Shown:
4:16
